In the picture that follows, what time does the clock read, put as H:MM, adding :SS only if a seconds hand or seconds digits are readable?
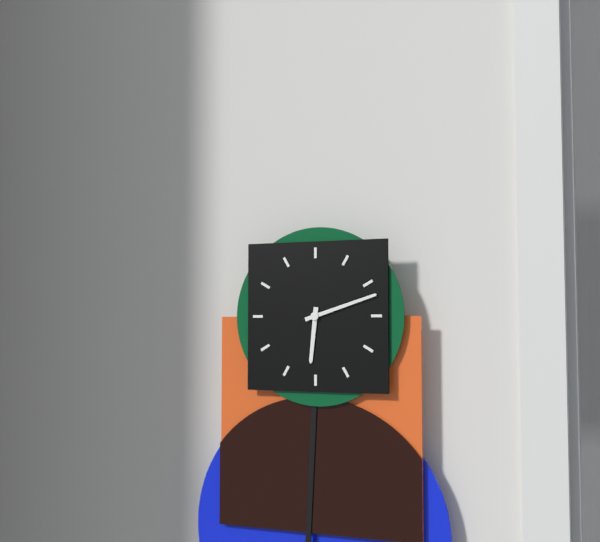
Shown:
6:12
